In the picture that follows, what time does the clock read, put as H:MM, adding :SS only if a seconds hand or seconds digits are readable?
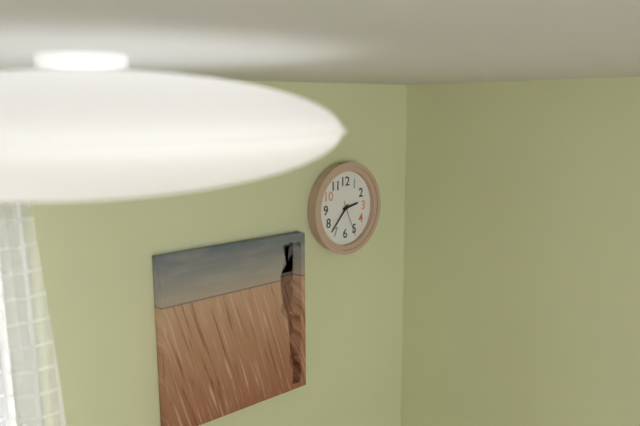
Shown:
2:37
